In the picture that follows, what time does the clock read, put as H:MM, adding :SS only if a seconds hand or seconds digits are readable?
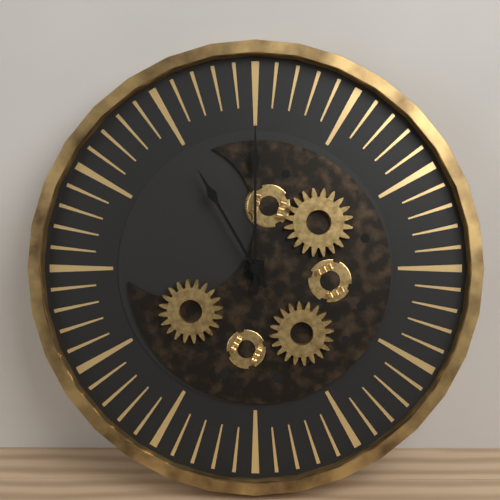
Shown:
11:00
